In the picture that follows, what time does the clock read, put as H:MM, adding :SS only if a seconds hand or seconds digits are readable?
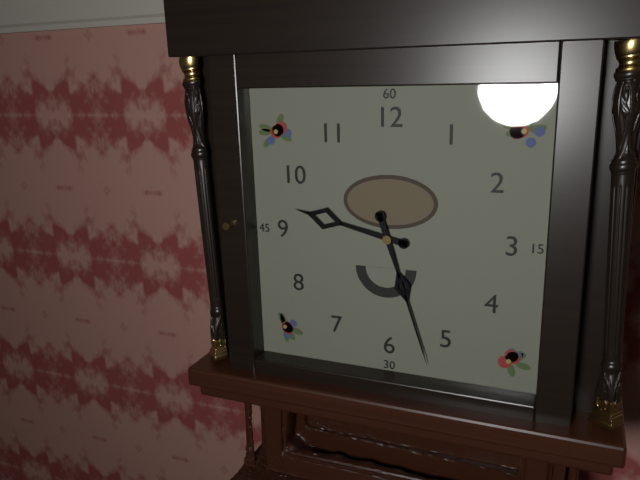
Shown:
9:27
